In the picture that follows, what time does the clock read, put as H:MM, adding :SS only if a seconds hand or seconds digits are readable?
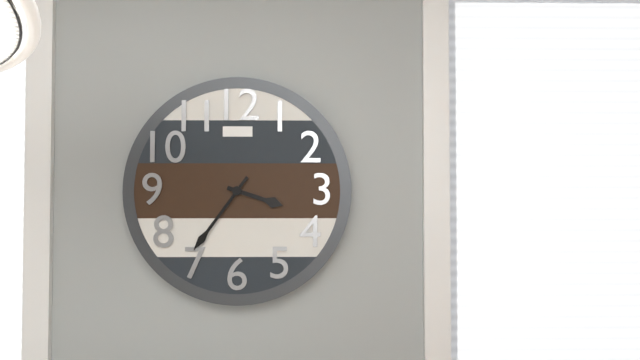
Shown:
3:36
